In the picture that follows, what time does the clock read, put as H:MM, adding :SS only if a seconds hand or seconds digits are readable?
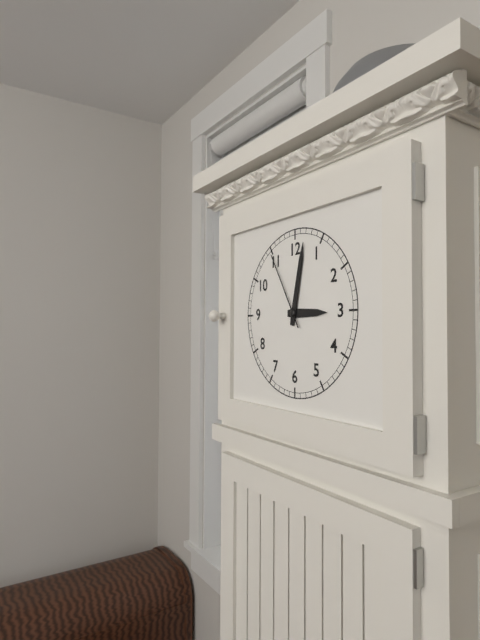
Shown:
3:02:55
